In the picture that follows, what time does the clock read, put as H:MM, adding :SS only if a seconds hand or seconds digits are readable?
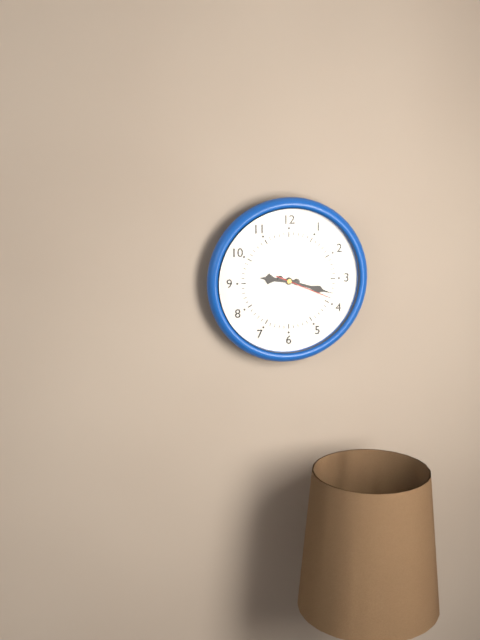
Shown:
9:18:19
